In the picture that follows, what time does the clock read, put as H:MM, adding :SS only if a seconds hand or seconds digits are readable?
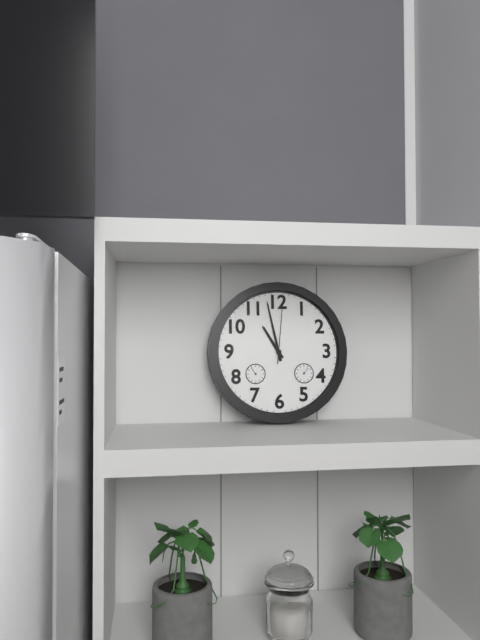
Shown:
10:58:01
